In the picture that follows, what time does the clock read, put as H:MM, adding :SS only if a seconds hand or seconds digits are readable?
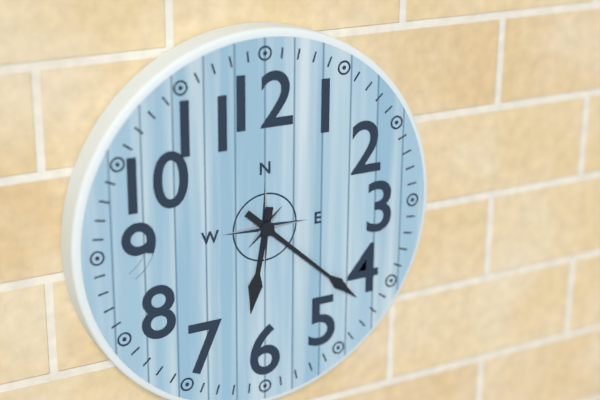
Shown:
6:22
